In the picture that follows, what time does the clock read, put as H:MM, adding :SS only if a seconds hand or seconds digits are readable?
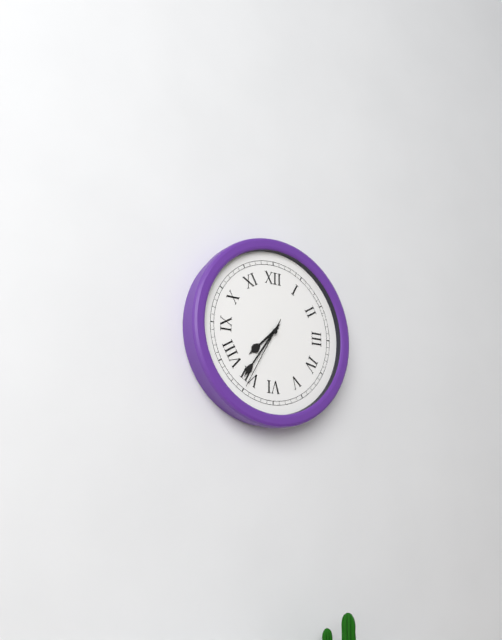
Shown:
7:36:35
